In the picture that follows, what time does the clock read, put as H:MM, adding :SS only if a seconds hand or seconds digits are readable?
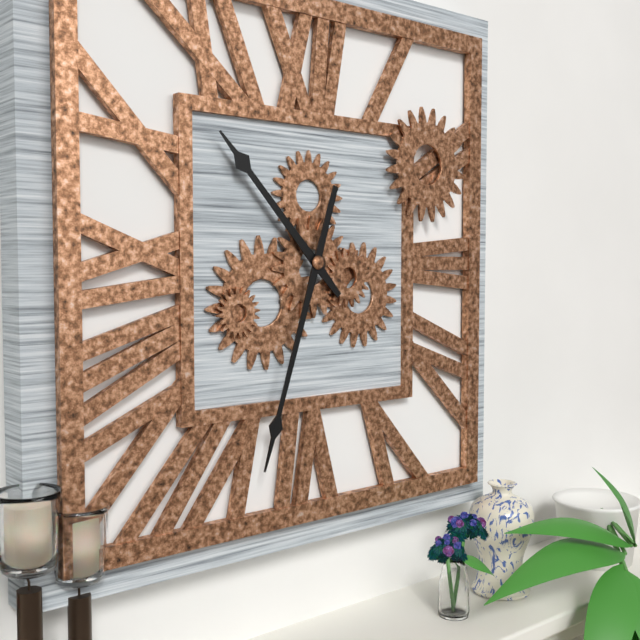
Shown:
10:33
